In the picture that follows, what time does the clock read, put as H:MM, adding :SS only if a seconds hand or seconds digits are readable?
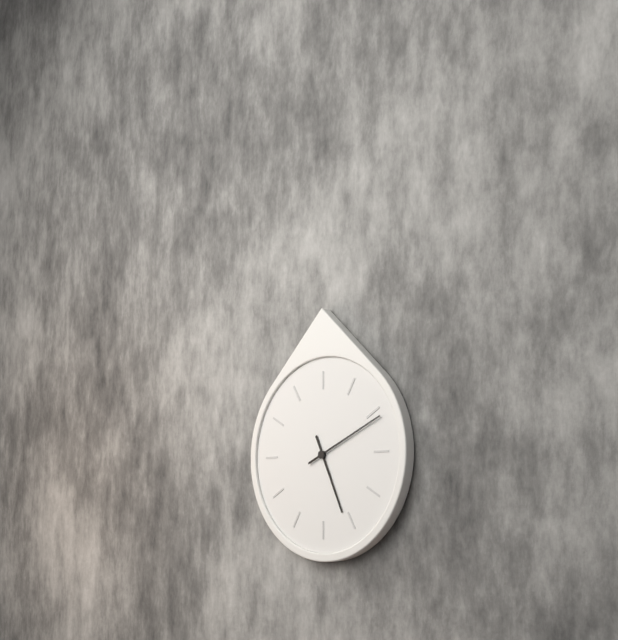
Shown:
5:11
